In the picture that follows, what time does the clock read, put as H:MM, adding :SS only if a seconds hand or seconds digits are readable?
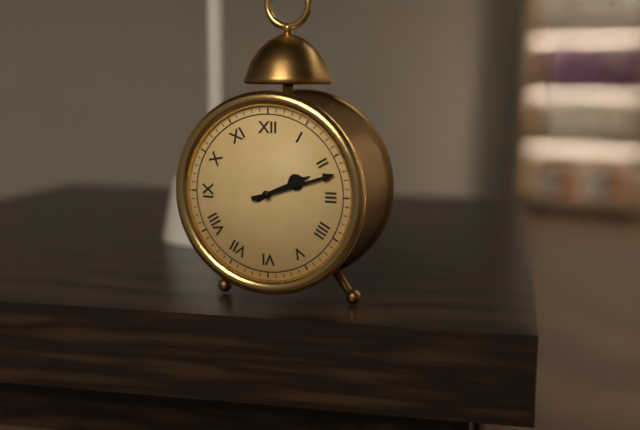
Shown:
2:12
